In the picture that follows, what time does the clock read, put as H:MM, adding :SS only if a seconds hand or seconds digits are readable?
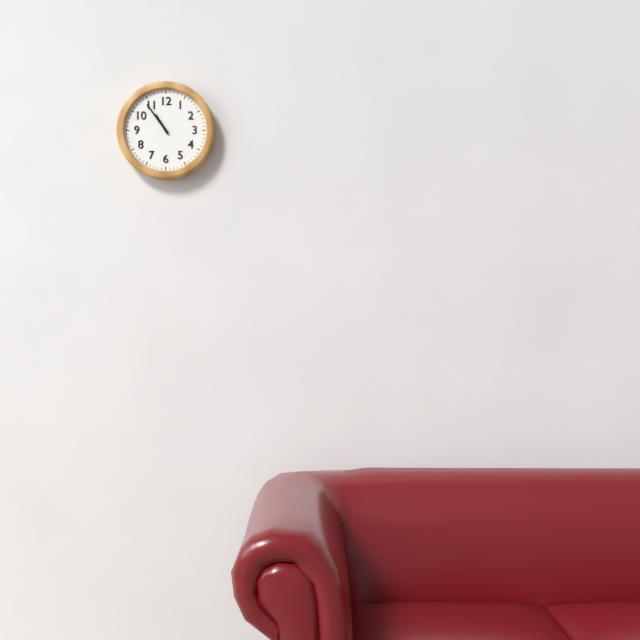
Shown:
10:54
